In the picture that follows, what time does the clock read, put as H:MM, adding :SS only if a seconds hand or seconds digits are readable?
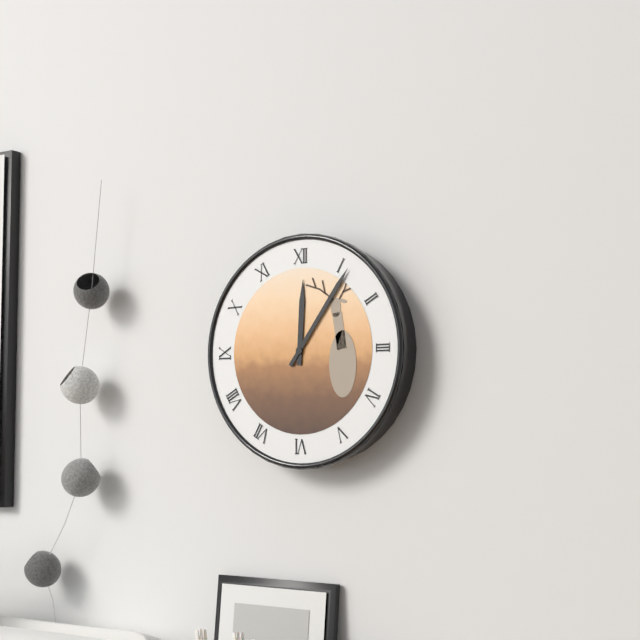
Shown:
12:06
